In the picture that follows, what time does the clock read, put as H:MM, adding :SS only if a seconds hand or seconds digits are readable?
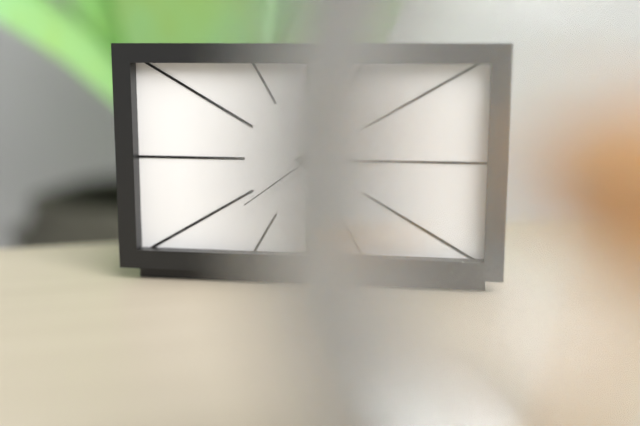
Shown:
12:15:39
